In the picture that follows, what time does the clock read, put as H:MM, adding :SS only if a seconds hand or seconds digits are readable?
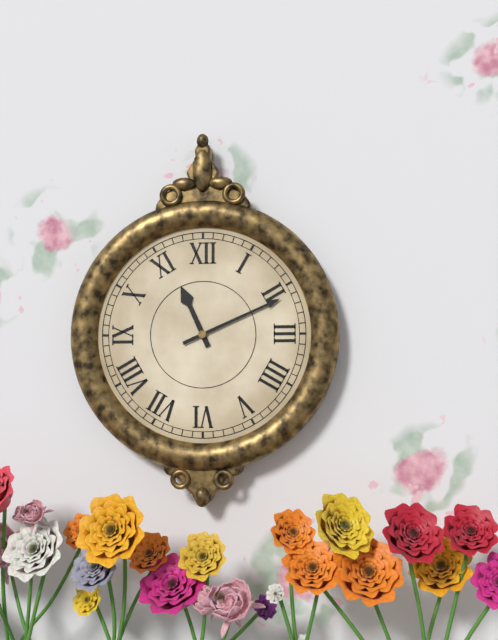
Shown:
11:11
